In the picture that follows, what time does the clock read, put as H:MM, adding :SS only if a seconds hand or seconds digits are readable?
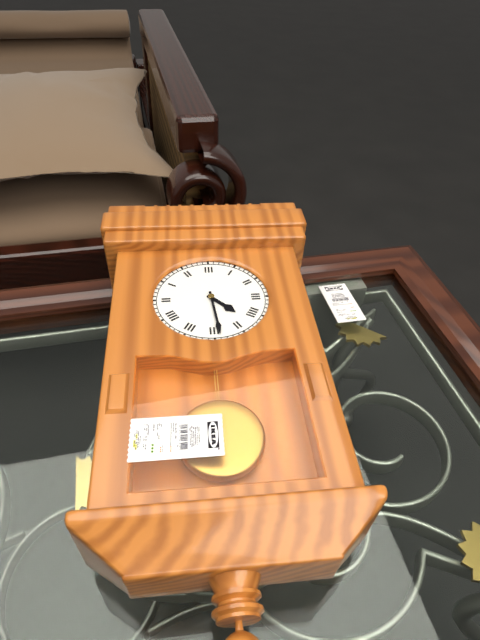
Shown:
4:29
